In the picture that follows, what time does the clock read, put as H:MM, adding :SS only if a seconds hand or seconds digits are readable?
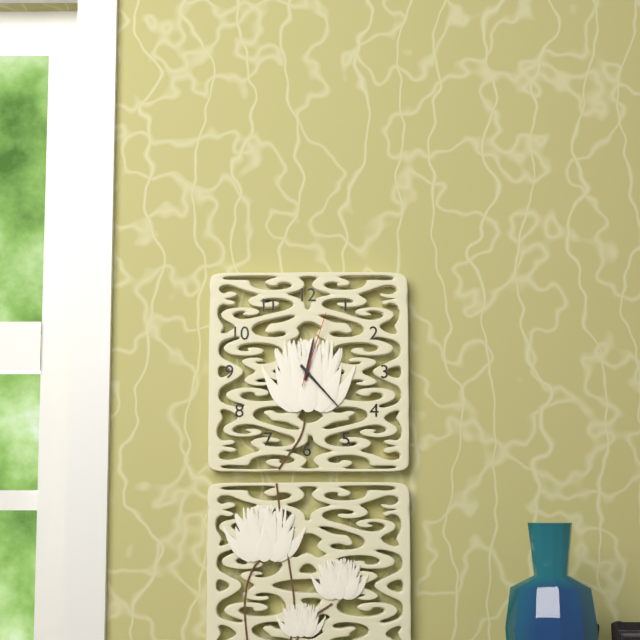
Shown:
12:23:03
